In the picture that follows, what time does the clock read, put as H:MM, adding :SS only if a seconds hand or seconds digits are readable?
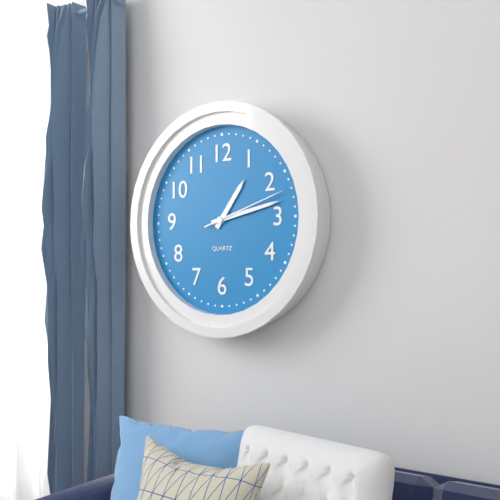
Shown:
1:13:12
